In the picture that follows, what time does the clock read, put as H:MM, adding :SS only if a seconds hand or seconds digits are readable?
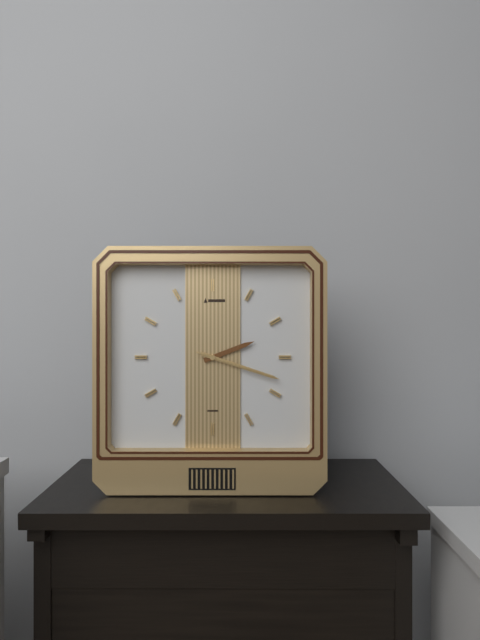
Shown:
2:18:18
